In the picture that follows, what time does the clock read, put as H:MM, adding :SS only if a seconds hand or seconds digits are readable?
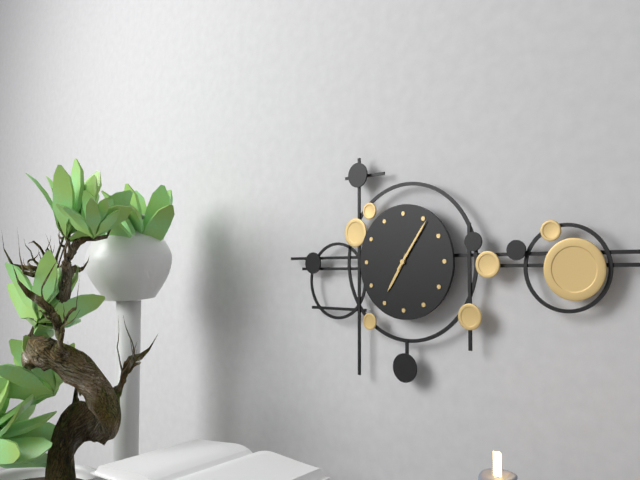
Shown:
7:06
